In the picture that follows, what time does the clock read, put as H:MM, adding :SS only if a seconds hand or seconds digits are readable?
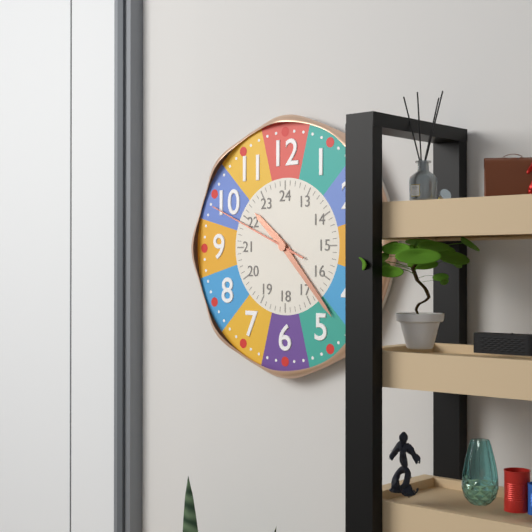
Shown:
10:23:49
